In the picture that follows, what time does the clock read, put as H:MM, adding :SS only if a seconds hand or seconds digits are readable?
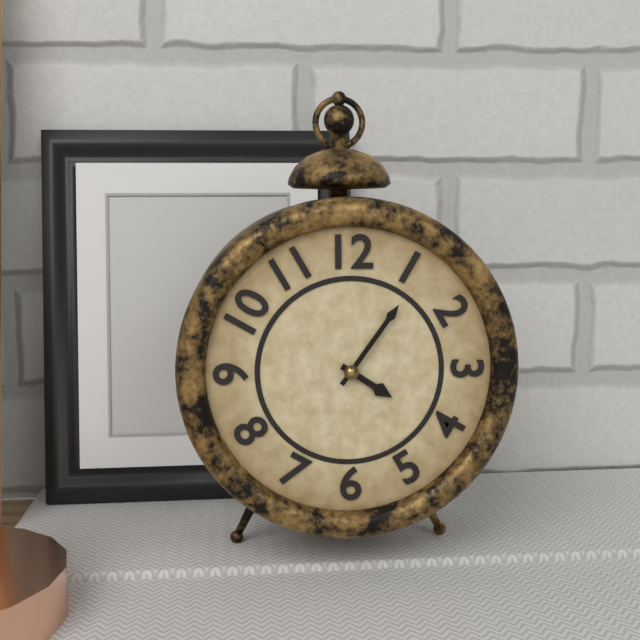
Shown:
4:06
